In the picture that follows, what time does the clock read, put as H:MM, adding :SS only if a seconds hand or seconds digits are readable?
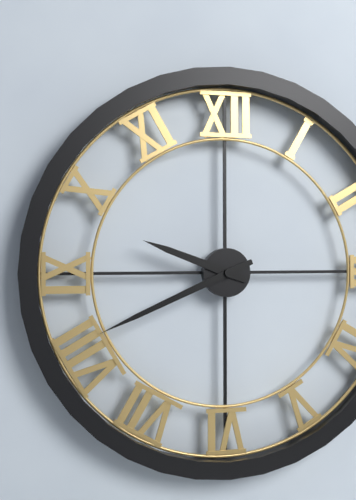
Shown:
9:41
